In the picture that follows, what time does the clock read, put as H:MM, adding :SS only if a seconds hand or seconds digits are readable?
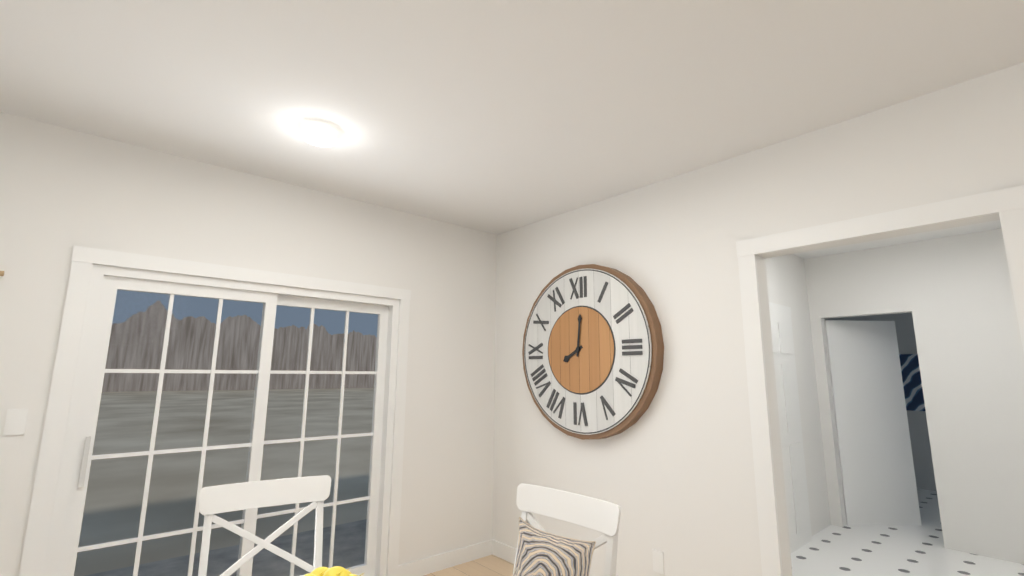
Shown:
8:01
